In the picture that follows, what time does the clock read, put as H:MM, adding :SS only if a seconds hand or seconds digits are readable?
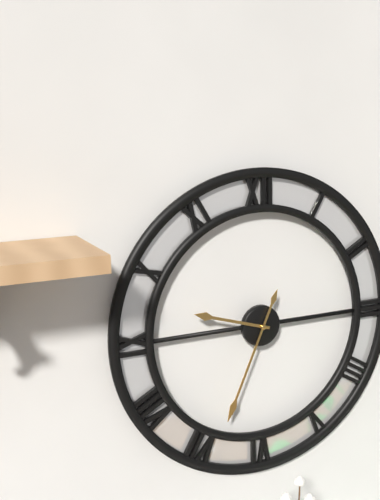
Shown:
9:34
